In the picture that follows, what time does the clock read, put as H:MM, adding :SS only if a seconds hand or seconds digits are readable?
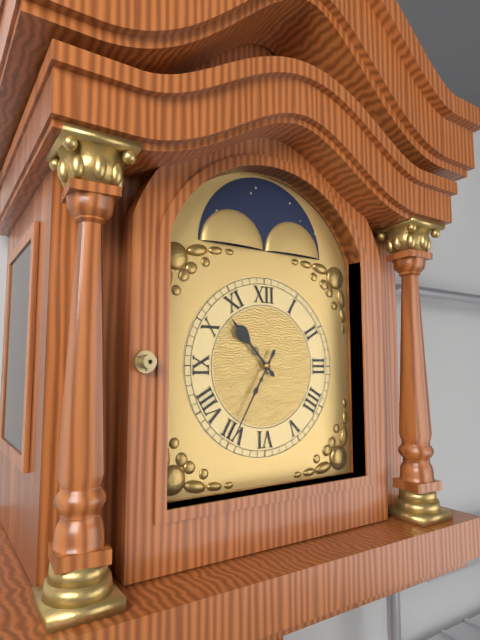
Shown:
10:35
